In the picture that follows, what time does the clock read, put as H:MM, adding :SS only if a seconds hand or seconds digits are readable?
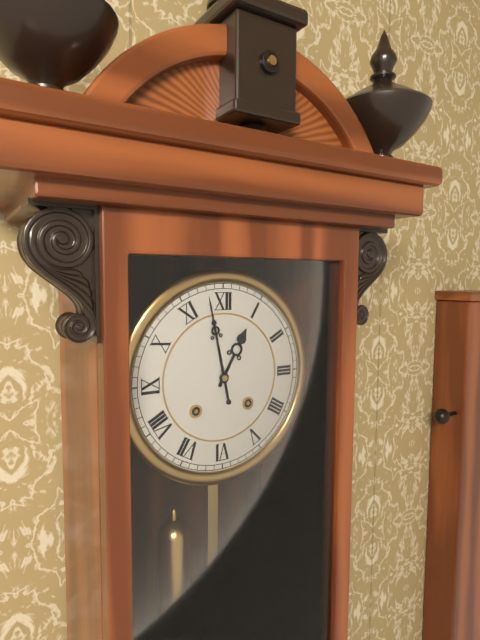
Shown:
12:58
